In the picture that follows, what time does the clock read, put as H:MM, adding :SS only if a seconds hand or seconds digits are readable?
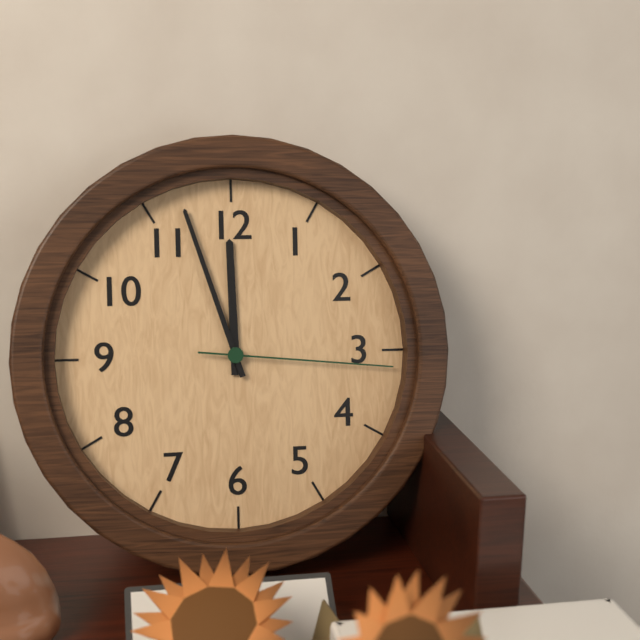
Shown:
11:57:16
